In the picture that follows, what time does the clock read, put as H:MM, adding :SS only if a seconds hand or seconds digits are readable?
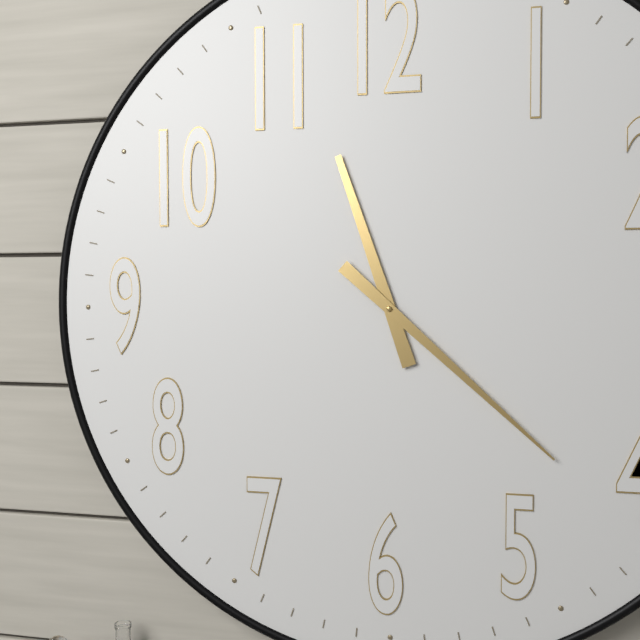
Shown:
11:22
